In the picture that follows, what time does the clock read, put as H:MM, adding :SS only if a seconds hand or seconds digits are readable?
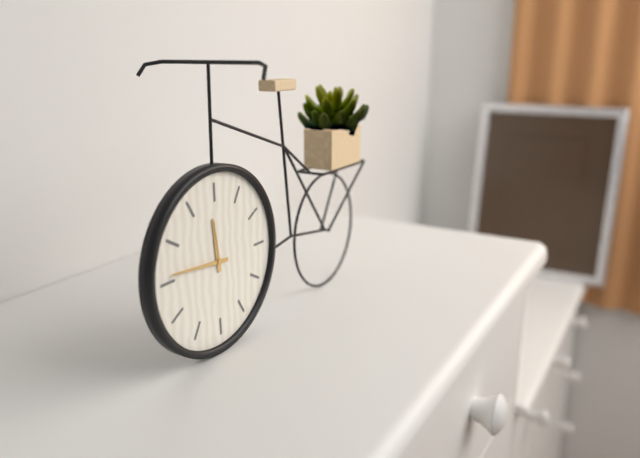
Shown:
11:46
